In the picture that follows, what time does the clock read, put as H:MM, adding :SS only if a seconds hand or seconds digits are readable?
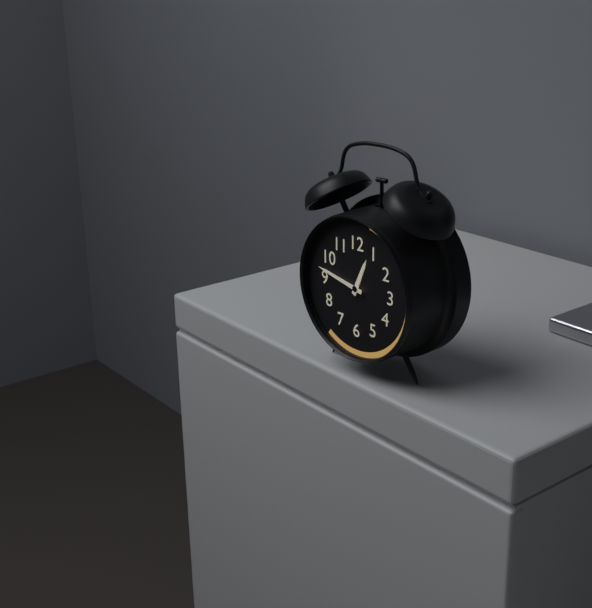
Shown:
12:47
